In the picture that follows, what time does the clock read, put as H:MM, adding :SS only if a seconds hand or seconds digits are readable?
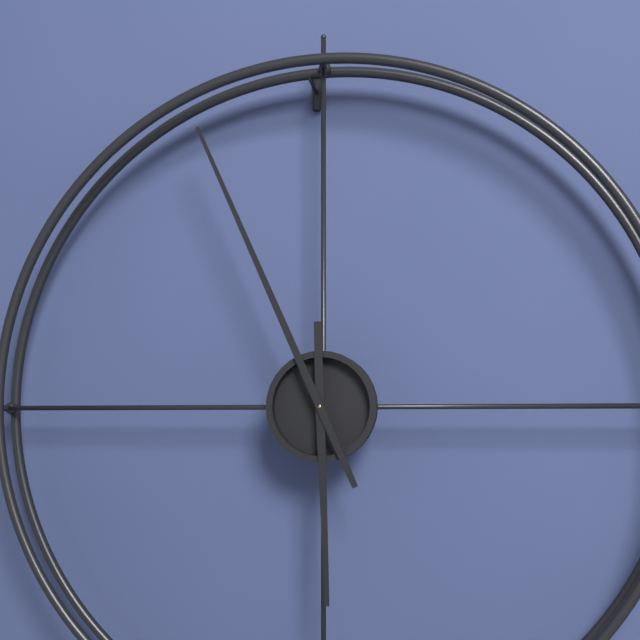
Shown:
5:56
